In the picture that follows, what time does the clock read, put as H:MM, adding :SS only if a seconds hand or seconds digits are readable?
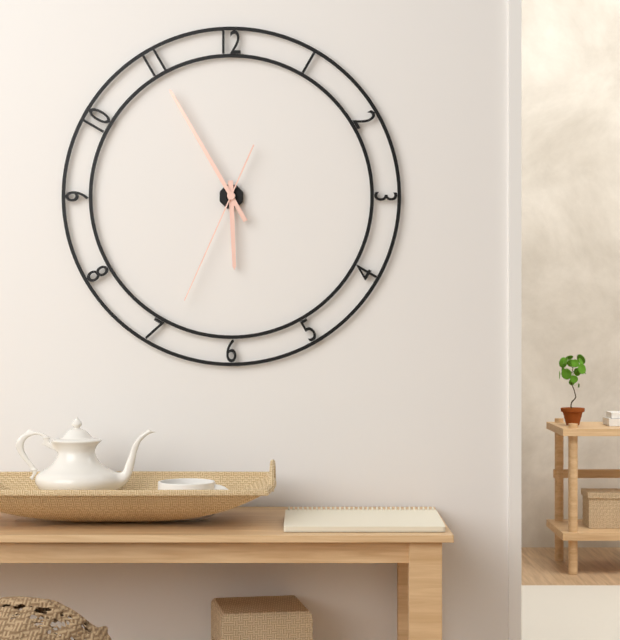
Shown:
5:55:34
